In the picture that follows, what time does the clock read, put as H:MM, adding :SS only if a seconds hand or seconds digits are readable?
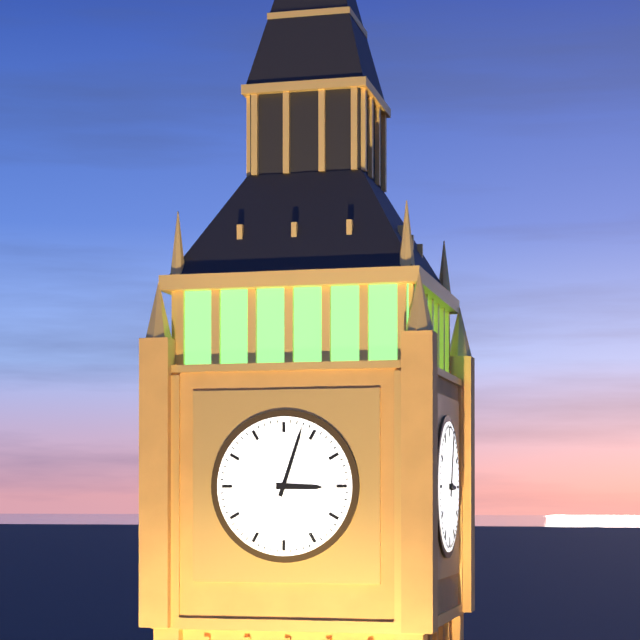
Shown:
3:03
